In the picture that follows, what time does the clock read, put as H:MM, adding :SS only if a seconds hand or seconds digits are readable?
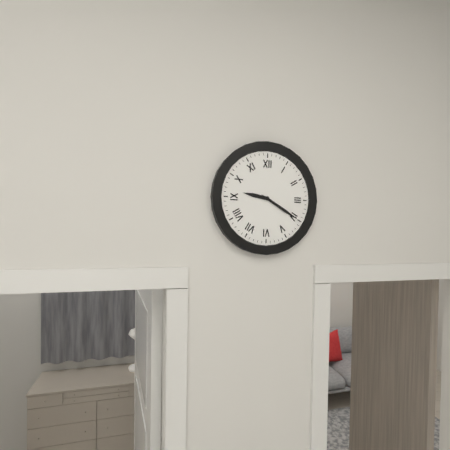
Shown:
9:20
